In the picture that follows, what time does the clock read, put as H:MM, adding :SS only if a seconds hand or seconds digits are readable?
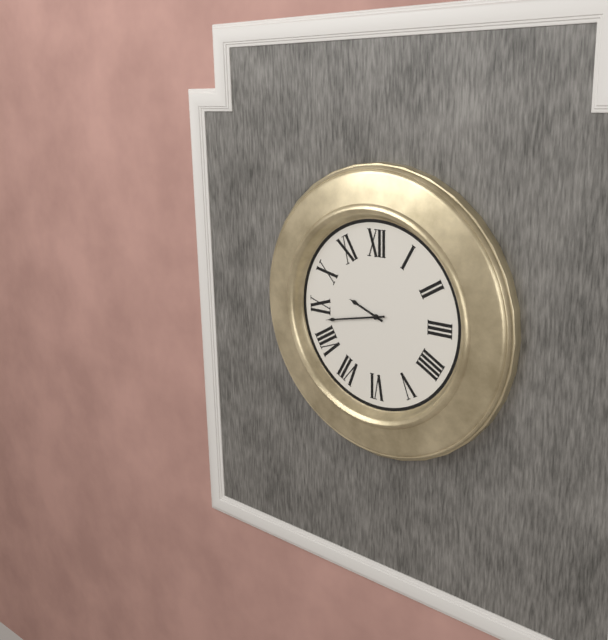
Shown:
9:43
